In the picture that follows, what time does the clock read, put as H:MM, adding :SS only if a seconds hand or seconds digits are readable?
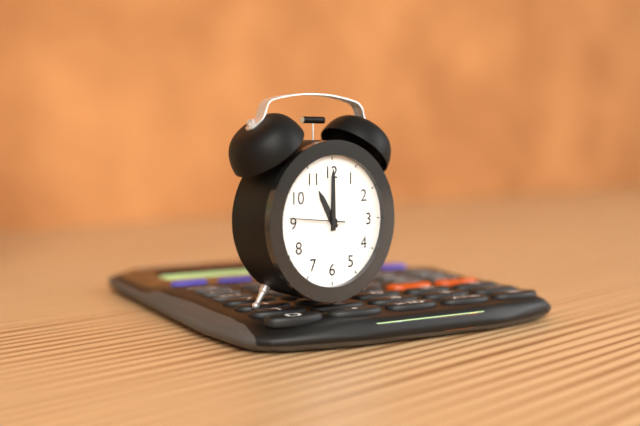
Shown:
11:00:46
